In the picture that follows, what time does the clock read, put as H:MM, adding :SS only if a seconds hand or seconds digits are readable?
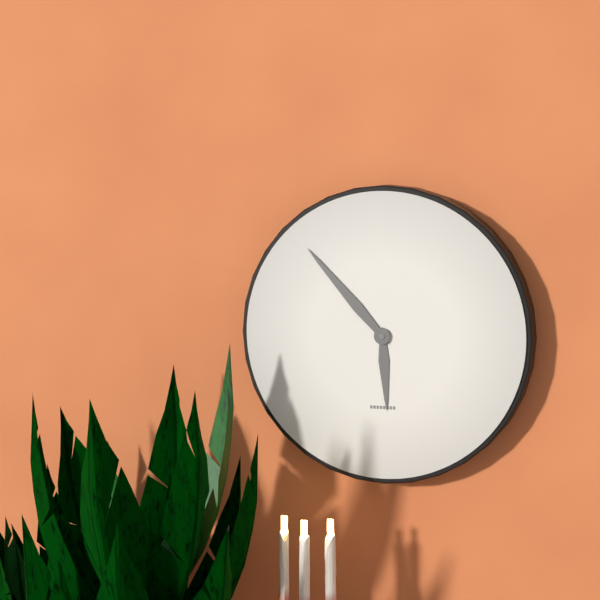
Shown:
5:53
